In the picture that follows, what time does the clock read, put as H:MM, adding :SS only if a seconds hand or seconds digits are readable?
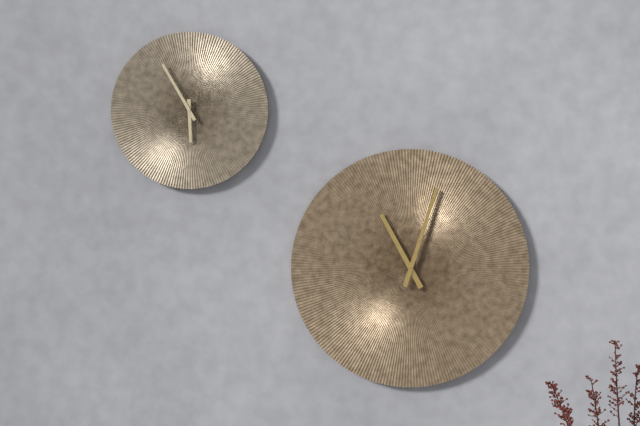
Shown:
11:03
